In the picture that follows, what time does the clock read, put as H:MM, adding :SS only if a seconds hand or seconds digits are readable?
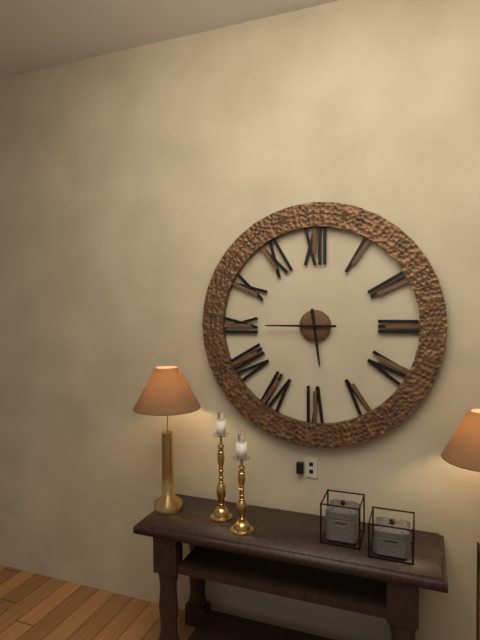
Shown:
5:45
